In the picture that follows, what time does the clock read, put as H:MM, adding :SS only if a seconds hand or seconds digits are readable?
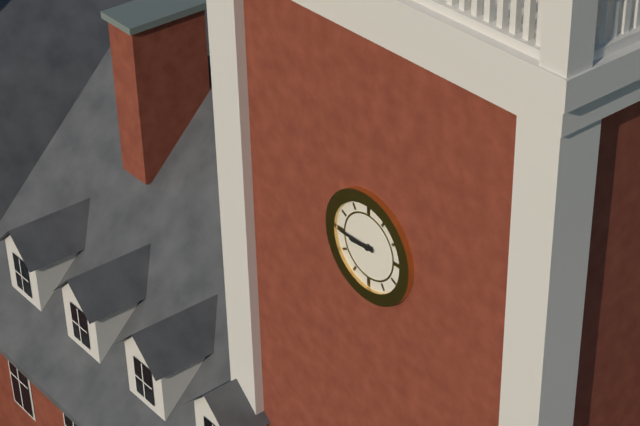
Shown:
8:45
